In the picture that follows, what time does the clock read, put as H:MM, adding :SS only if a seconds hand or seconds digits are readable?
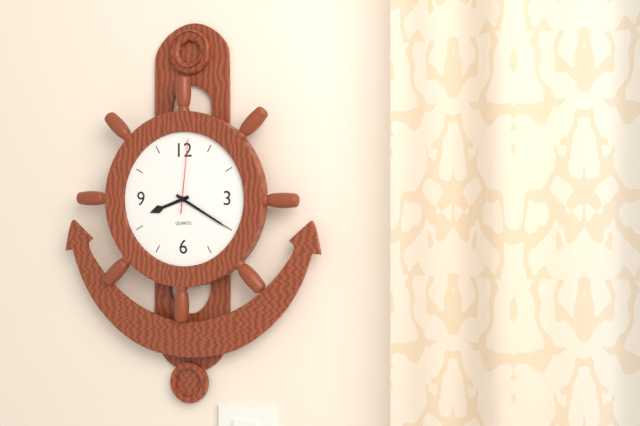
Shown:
8:20:01
